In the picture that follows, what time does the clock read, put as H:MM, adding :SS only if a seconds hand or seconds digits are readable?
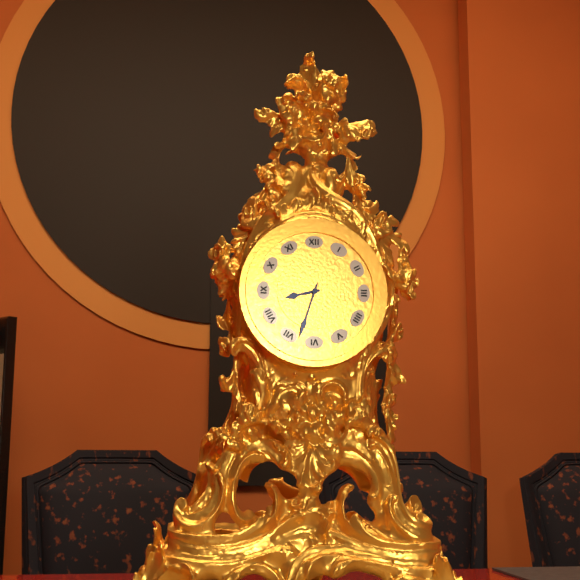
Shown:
8:33
